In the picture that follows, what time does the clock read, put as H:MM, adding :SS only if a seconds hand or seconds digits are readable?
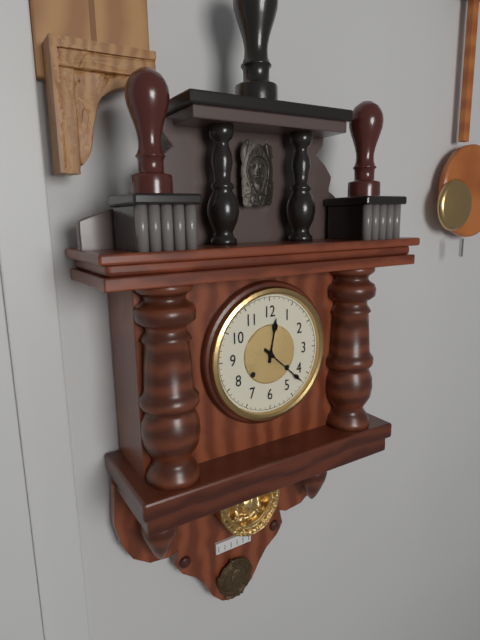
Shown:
12:22
